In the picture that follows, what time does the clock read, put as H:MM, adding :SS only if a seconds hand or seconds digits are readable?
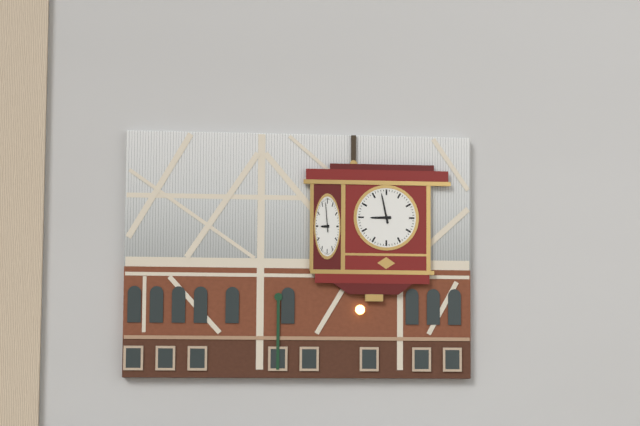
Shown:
8:58
